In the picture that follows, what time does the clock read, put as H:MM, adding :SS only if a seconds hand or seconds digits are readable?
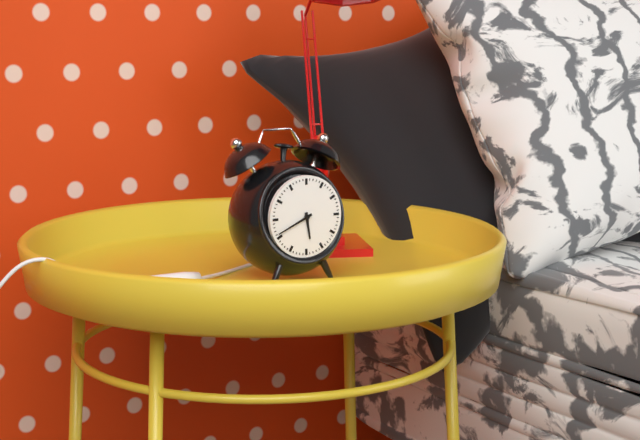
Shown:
5:41
